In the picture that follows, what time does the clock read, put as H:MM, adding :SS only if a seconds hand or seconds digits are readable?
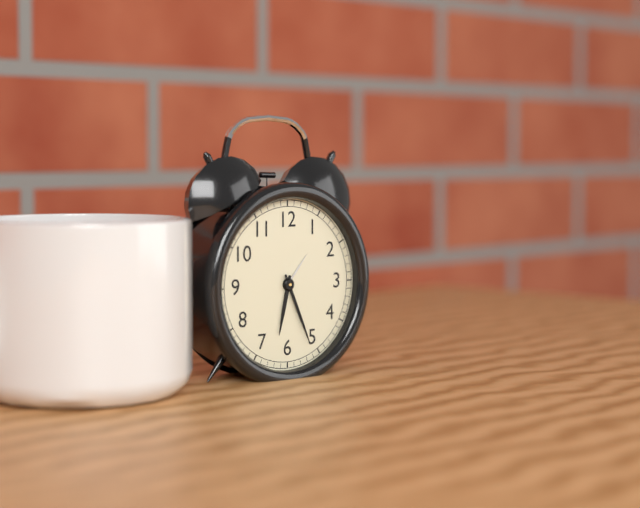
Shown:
6:26
